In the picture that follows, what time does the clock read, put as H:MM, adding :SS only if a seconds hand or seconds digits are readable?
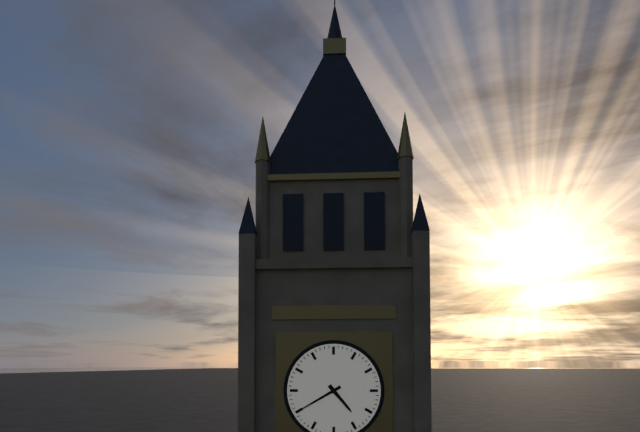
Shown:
4:40
